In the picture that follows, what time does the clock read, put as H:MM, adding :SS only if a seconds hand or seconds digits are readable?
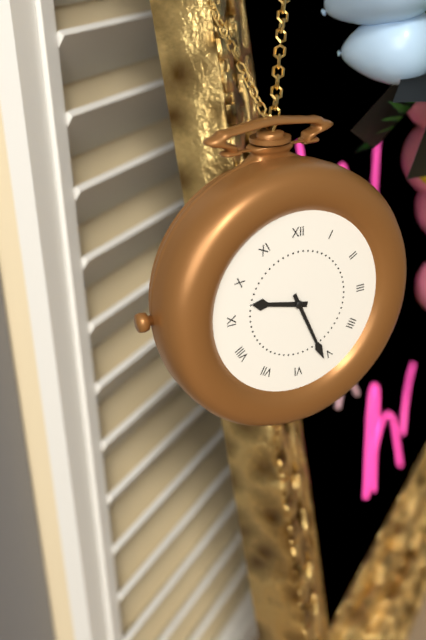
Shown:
9:26
